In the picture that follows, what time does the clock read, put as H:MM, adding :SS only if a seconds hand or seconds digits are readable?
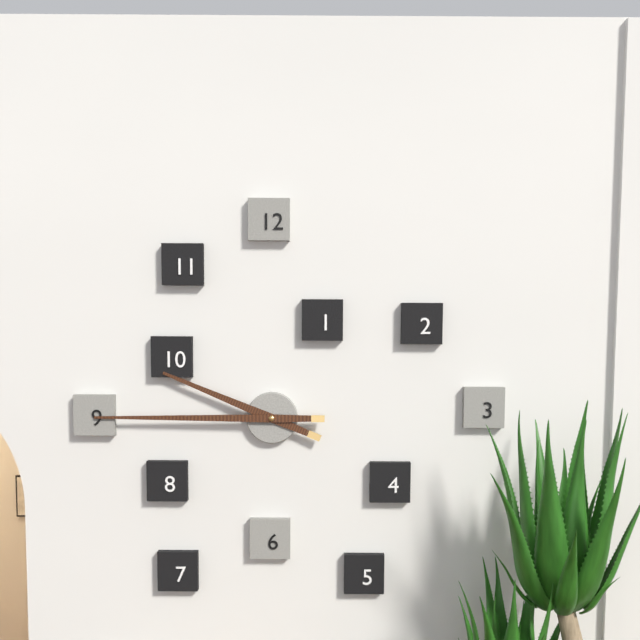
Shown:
9:45
